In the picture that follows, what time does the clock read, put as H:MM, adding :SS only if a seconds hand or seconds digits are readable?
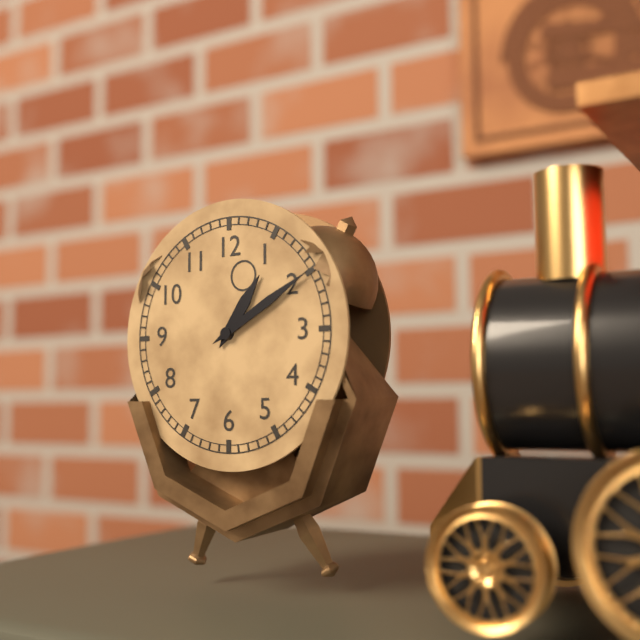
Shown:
1:10
